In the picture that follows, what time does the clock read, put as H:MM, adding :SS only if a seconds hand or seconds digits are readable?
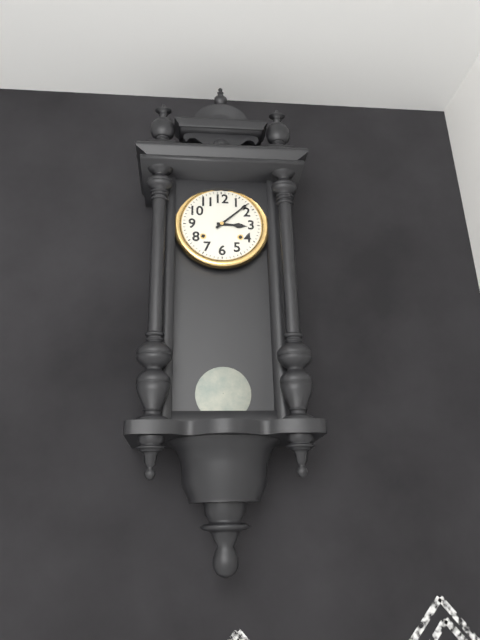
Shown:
3:08
